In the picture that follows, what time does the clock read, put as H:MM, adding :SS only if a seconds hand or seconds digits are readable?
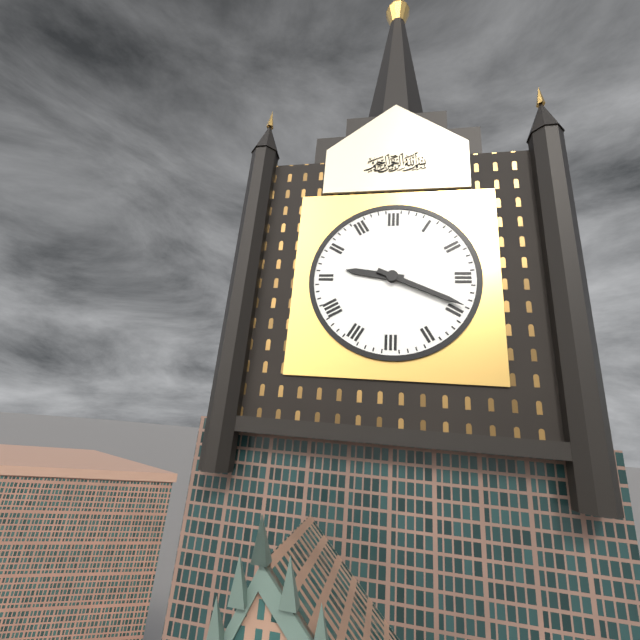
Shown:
9:19
